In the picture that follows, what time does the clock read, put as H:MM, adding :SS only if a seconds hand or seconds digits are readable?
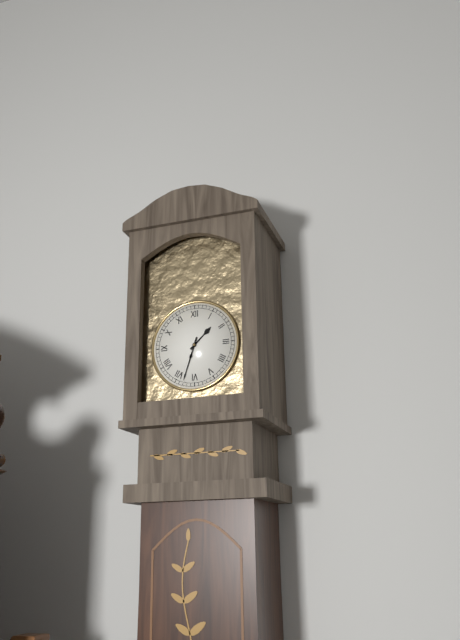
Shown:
1:33
